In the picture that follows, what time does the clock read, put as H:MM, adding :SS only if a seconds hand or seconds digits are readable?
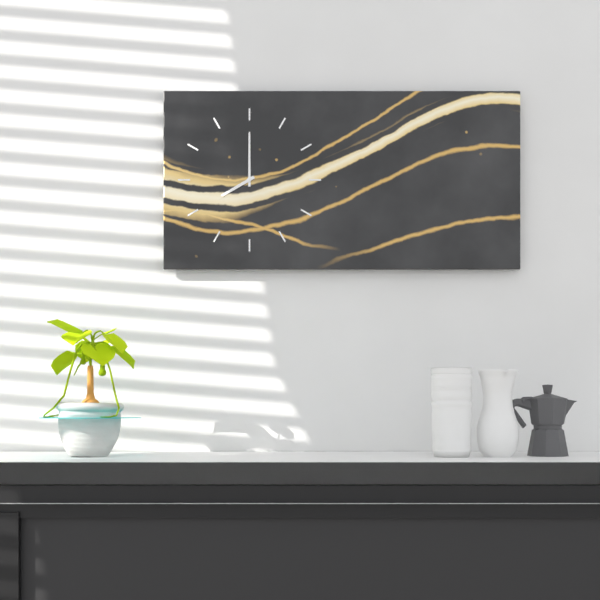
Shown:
8:00
